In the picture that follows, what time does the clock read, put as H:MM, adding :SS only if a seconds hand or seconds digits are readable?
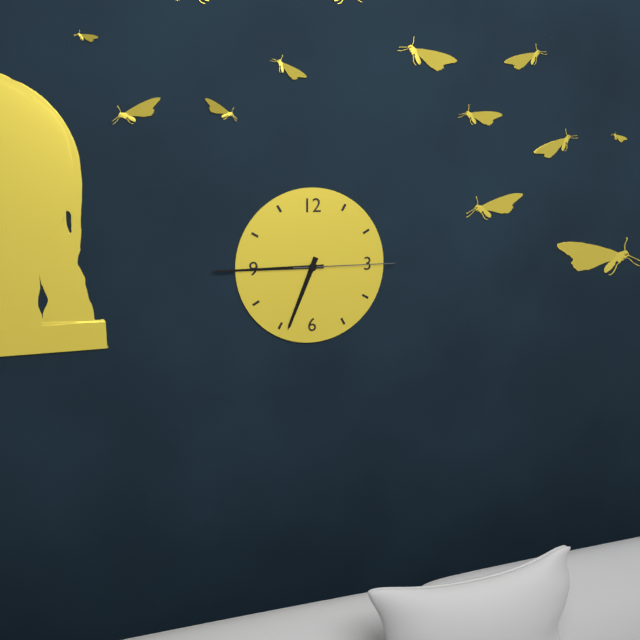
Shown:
6:45:15
